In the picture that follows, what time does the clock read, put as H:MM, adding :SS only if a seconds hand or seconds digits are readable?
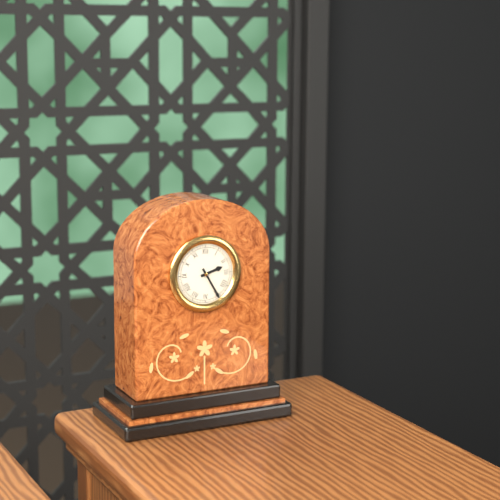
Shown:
2:25
